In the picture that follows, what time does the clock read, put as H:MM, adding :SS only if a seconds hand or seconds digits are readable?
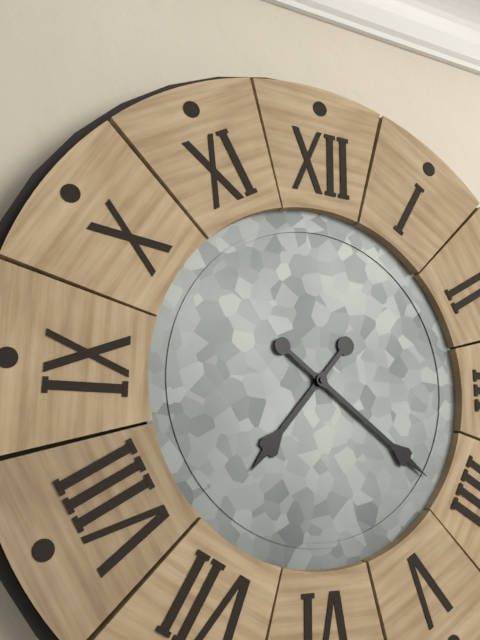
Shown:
7:21
